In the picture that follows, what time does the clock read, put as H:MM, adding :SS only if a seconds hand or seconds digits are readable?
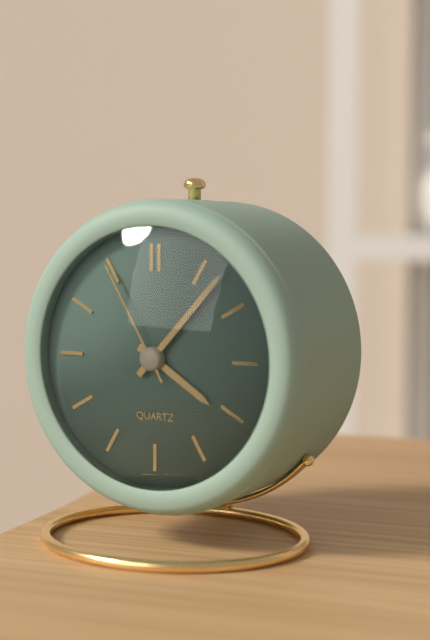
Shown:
4:07:55
